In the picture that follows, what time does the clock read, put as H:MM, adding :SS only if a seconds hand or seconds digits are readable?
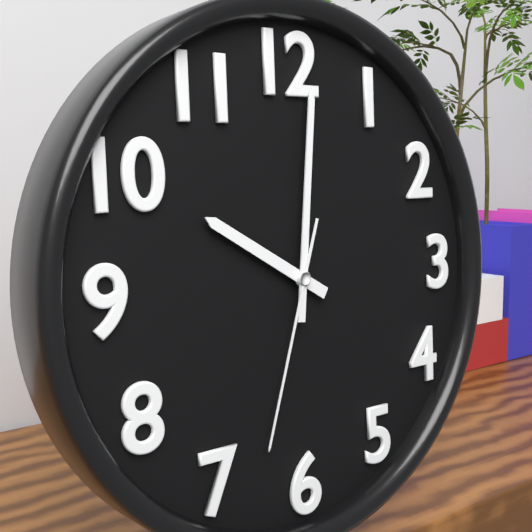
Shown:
10:01:33
